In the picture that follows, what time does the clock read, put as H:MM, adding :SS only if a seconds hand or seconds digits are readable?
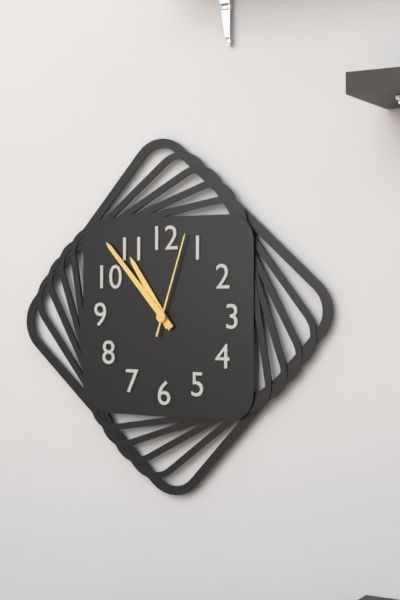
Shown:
10:53:03
